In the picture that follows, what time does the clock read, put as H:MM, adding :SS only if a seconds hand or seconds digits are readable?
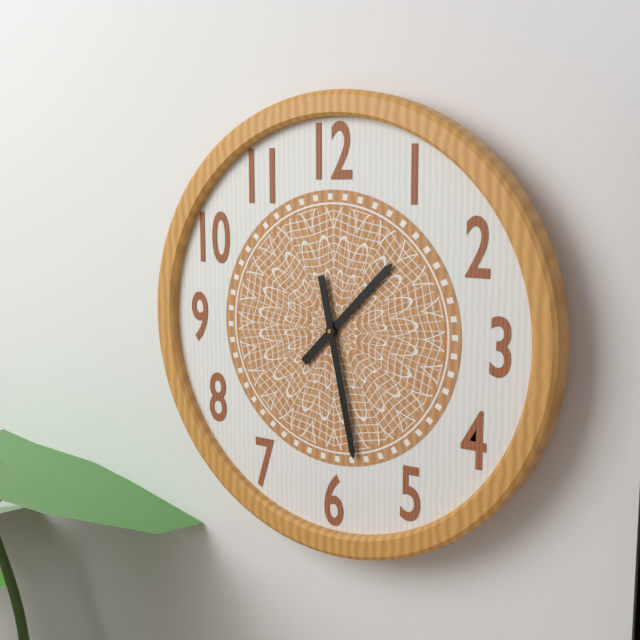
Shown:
1:28
